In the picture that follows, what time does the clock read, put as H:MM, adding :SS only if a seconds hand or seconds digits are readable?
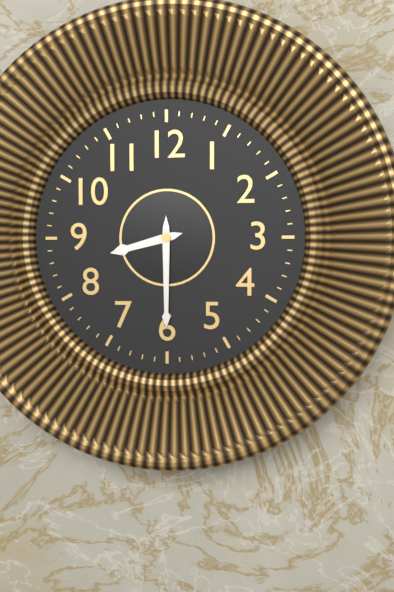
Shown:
8:30
